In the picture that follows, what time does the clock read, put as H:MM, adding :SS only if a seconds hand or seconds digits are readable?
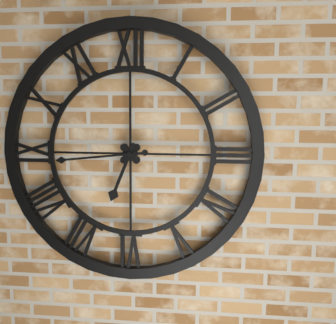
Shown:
6:44
